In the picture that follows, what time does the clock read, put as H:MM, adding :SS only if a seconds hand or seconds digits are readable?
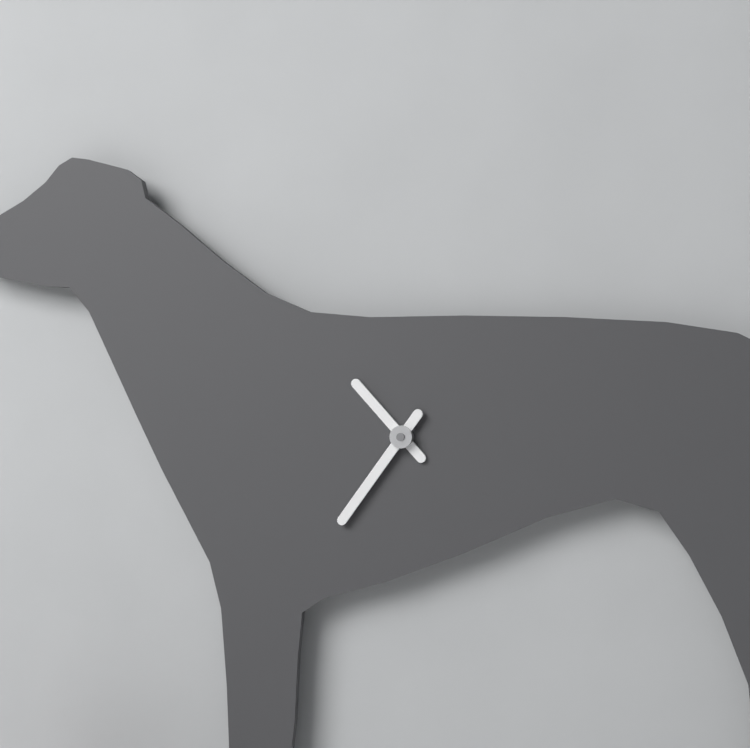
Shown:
10:36
